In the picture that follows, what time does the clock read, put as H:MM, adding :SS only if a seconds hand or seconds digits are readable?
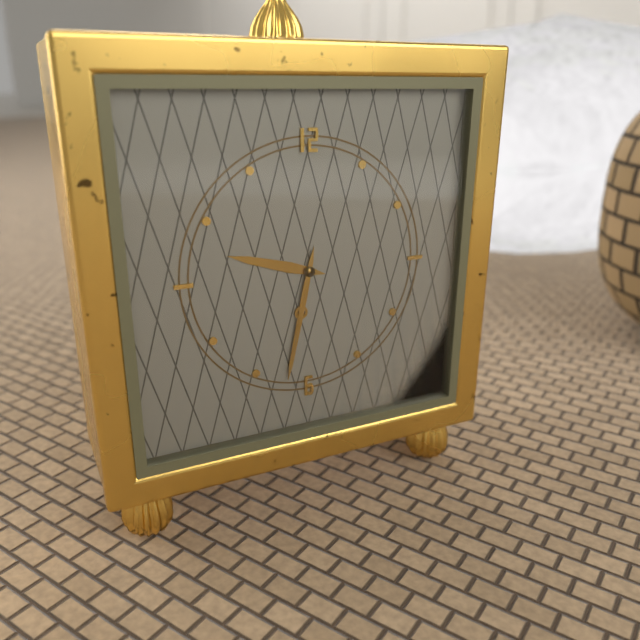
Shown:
9:32
